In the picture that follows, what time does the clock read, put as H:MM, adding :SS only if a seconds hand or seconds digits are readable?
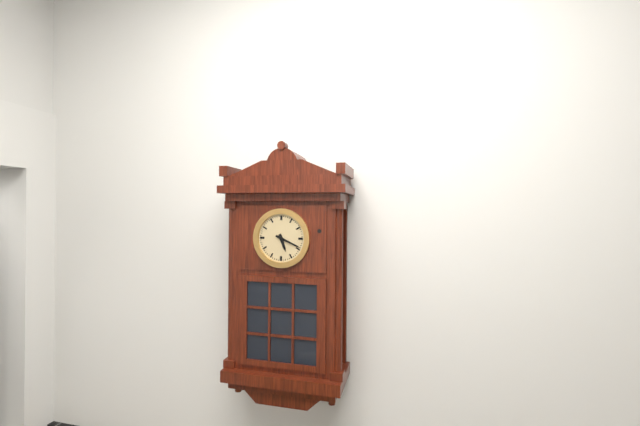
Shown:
5:19
